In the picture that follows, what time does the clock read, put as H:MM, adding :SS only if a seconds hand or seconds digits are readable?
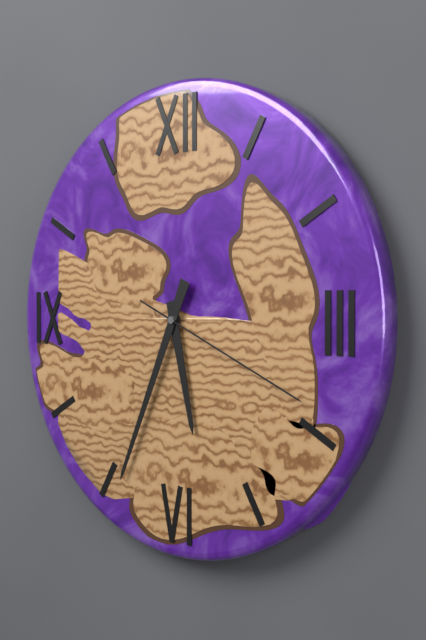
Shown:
5:34:19
